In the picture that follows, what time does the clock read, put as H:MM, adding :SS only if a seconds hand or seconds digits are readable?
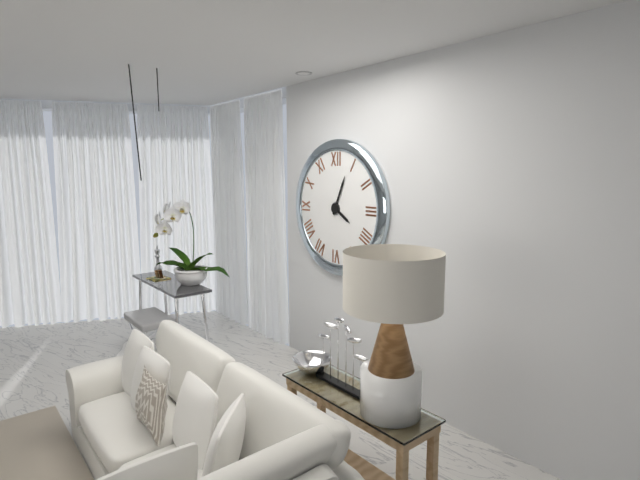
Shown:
4:04
